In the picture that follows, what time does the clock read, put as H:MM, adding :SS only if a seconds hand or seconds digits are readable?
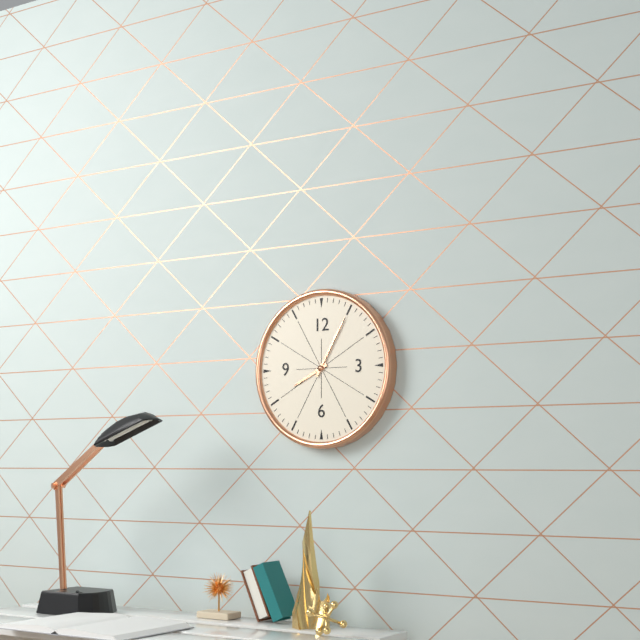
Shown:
8:05
